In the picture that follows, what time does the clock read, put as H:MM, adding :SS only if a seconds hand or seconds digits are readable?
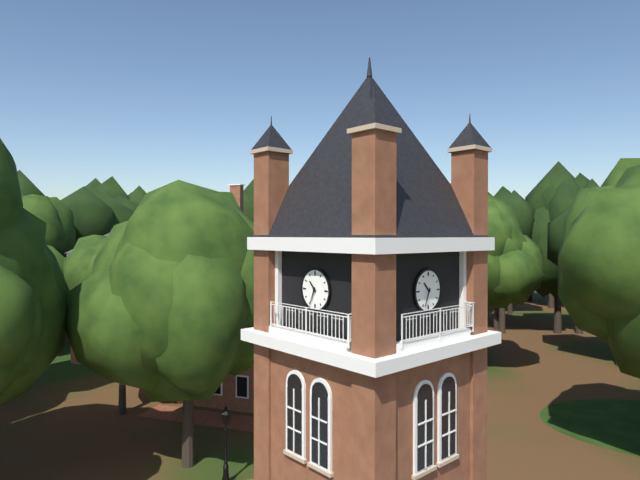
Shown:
10:34
